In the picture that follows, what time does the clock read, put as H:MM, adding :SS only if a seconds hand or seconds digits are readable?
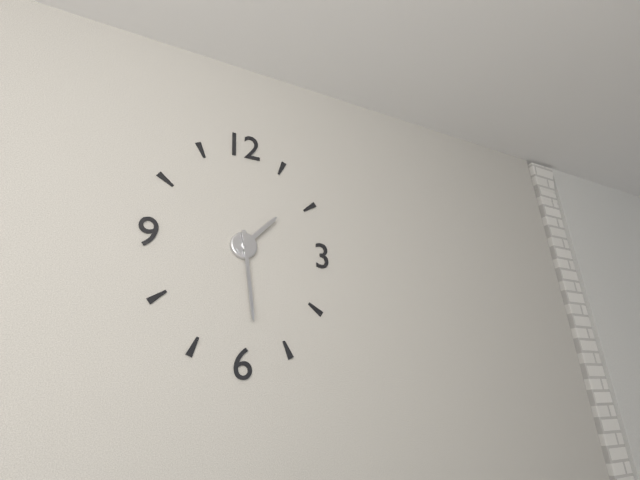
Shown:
1:29
